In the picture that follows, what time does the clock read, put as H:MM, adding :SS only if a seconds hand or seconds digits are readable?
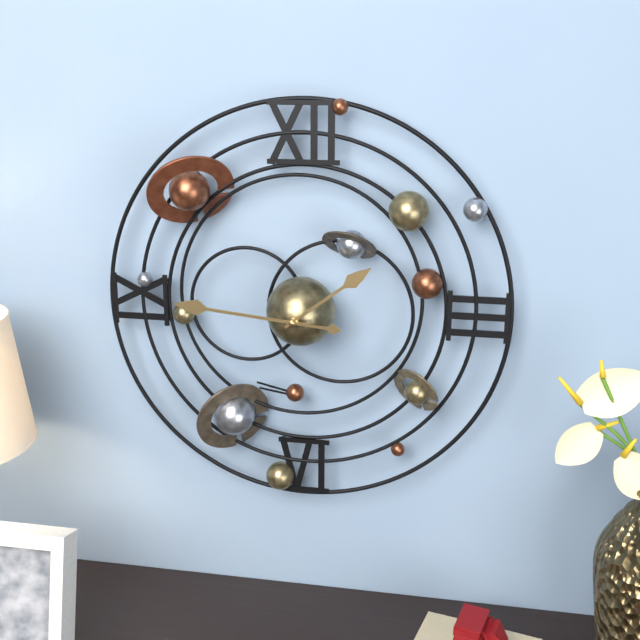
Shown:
1:46
